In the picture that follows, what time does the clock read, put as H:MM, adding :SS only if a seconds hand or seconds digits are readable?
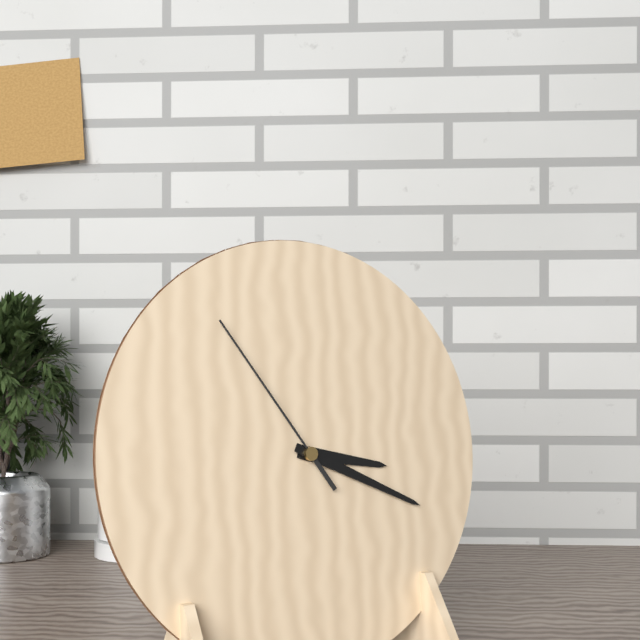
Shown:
3:19:54
